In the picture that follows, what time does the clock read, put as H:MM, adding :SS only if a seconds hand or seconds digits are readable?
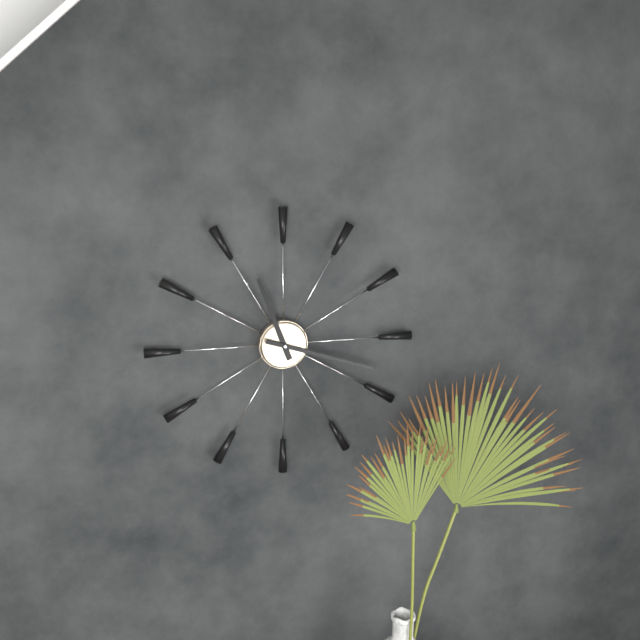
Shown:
11:18
